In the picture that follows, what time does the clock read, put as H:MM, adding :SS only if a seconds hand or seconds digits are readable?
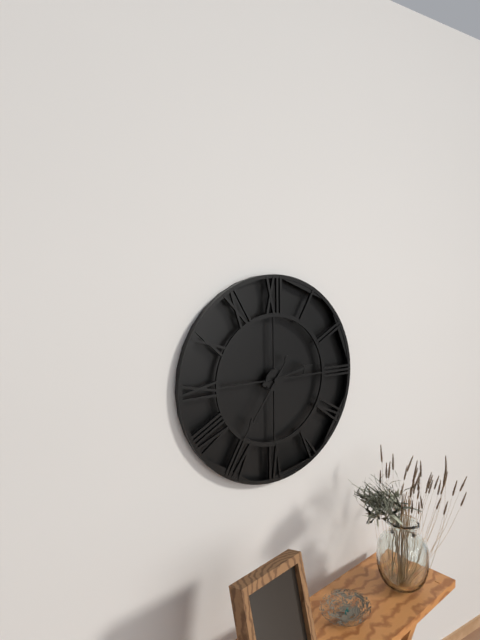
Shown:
2:36
